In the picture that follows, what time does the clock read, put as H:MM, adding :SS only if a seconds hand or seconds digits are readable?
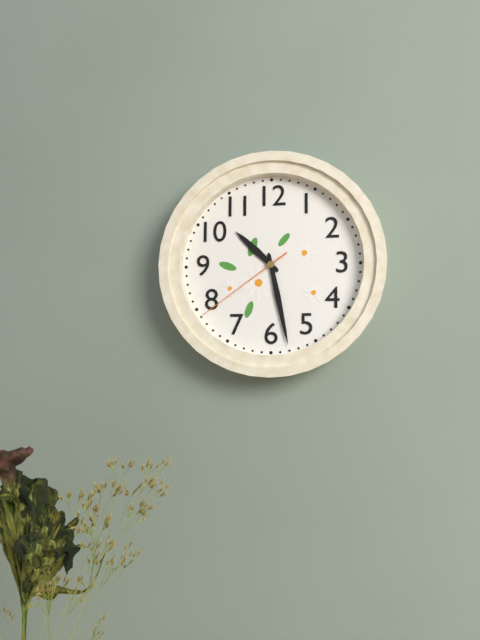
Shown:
10:28:39
